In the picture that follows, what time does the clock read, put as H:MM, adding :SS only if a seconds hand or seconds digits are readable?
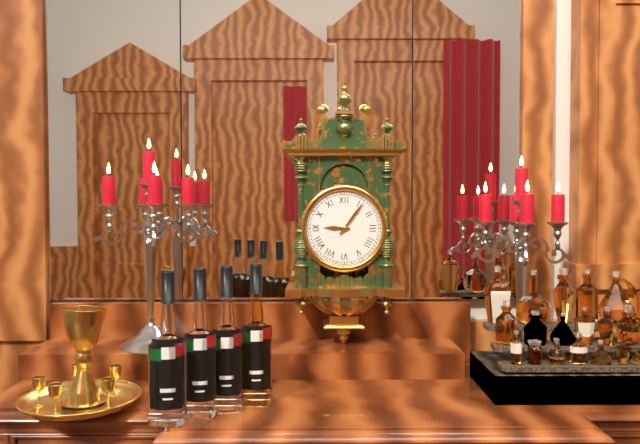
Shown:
9:06
